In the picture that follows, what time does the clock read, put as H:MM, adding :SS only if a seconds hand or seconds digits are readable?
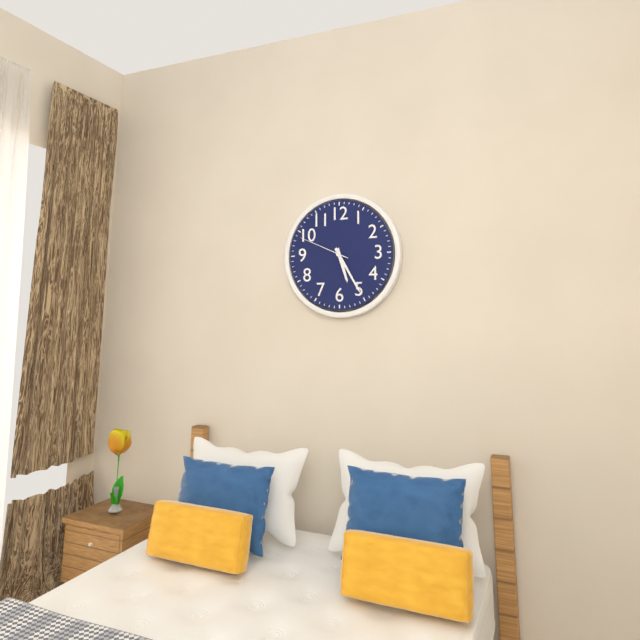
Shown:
5:25:49
